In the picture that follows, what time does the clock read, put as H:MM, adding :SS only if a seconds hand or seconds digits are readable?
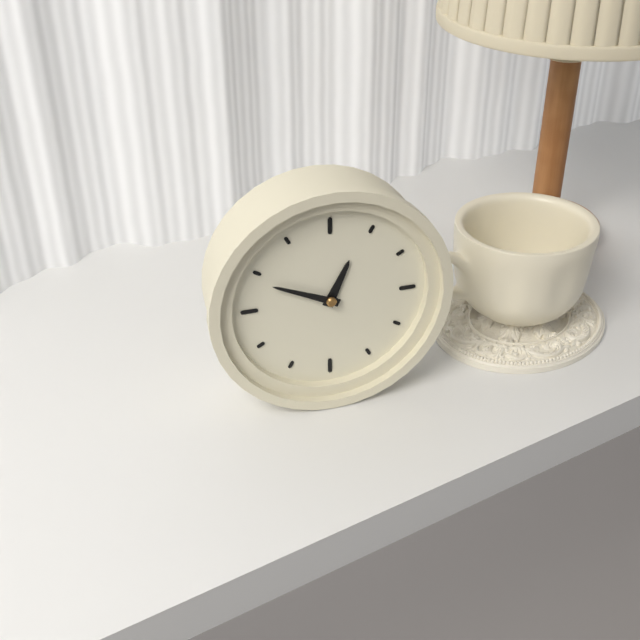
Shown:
12:49
